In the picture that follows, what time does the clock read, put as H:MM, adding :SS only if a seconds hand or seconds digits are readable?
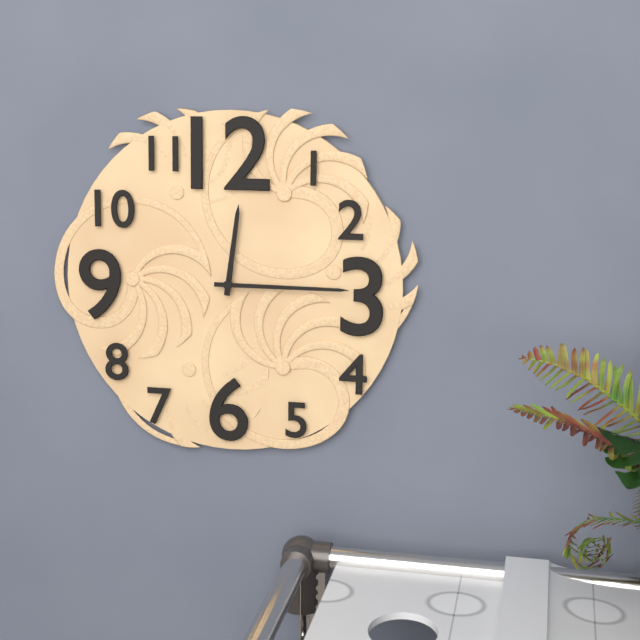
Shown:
12:15
